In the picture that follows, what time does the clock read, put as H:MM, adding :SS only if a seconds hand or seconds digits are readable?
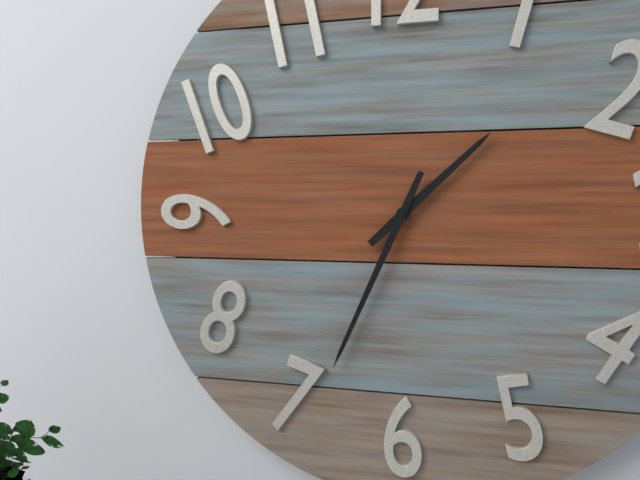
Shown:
1:34
